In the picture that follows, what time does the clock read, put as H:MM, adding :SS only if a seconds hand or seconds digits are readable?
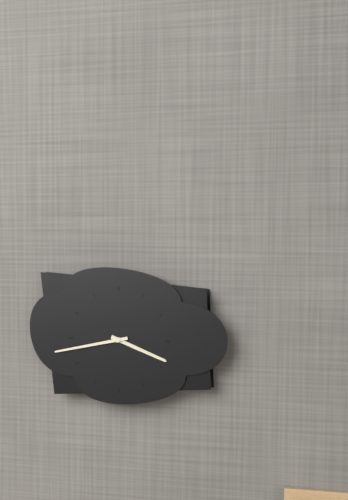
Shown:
3:43
